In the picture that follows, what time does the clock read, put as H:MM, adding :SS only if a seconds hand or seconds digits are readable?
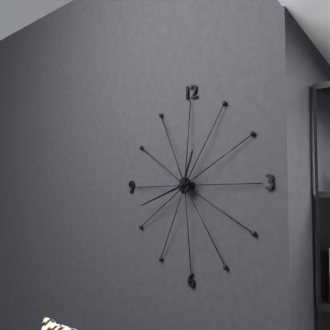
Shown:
12:42
